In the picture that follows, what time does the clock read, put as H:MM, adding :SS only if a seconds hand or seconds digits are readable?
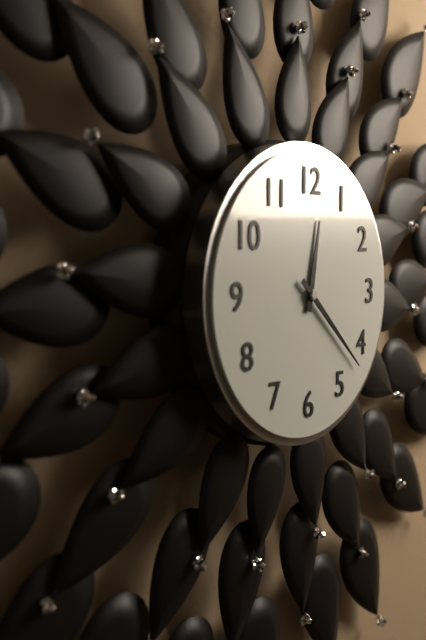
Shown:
12:22
